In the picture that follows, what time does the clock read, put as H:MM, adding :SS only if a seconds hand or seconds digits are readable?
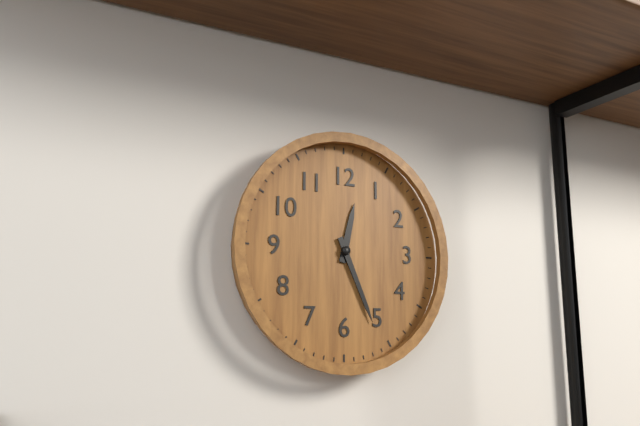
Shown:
12:26
